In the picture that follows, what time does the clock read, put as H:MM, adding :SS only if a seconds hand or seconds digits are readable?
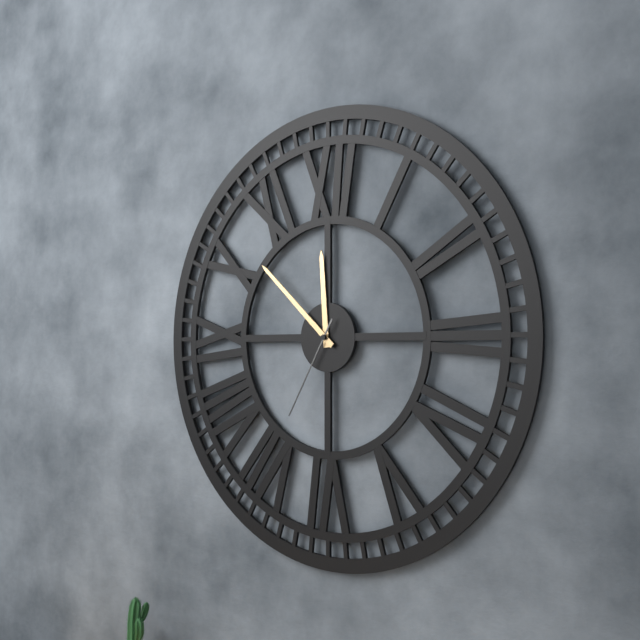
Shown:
11:52:35
